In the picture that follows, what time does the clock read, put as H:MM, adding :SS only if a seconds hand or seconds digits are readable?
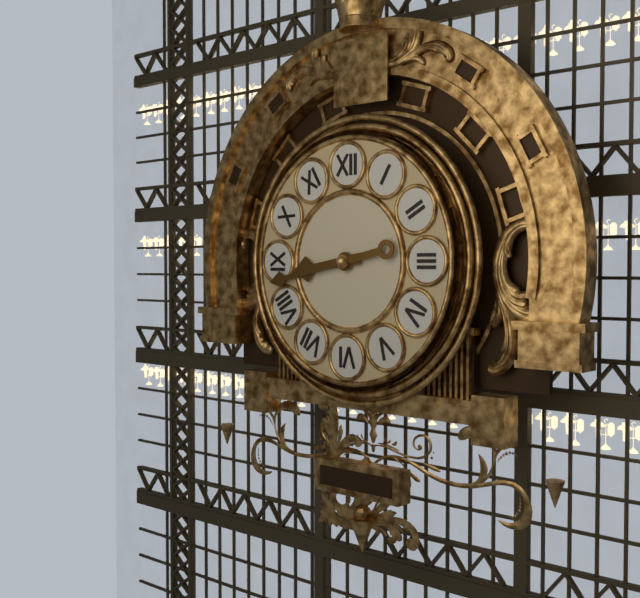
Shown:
8:43
